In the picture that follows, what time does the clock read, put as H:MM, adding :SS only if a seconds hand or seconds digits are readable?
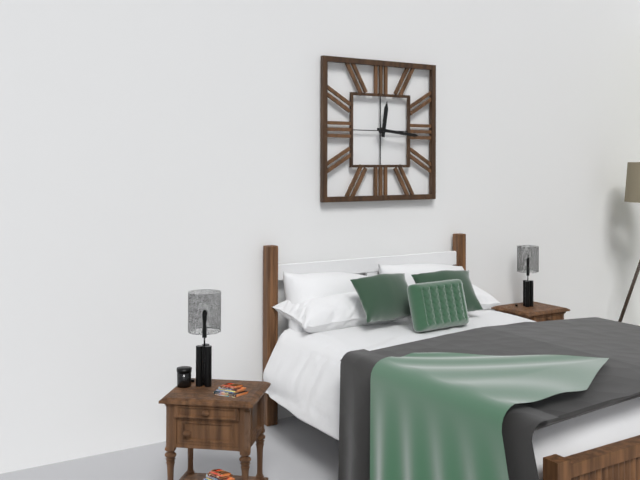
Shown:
12:16
